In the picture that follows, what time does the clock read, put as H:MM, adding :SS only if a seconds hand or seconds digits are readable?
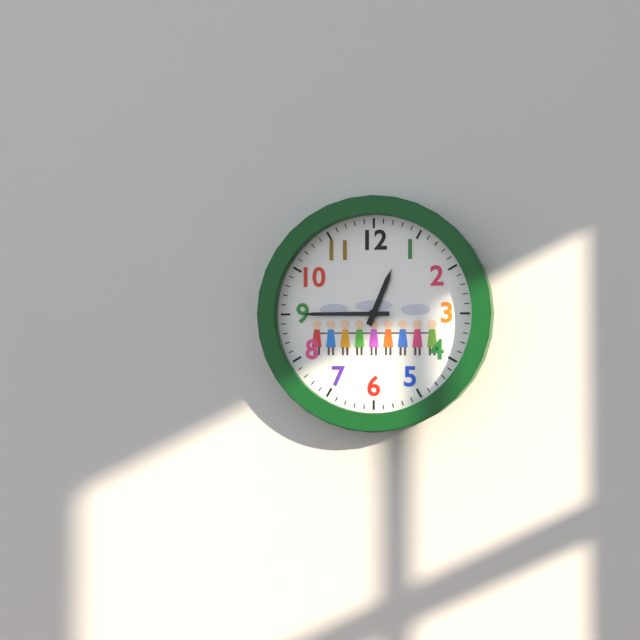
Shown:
12:45
